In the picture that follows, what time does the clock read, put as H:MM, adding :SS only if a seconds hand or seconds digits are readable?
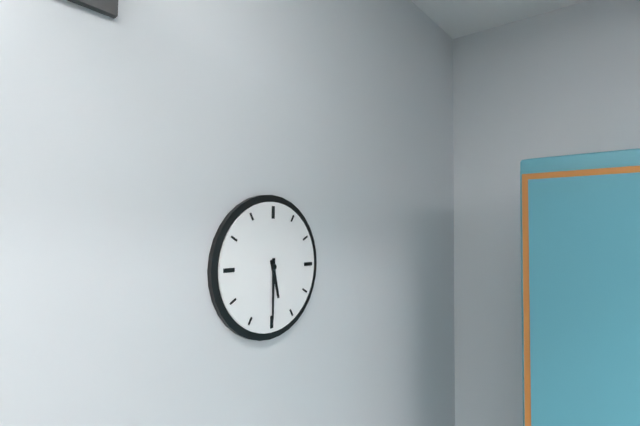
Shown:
5:30
